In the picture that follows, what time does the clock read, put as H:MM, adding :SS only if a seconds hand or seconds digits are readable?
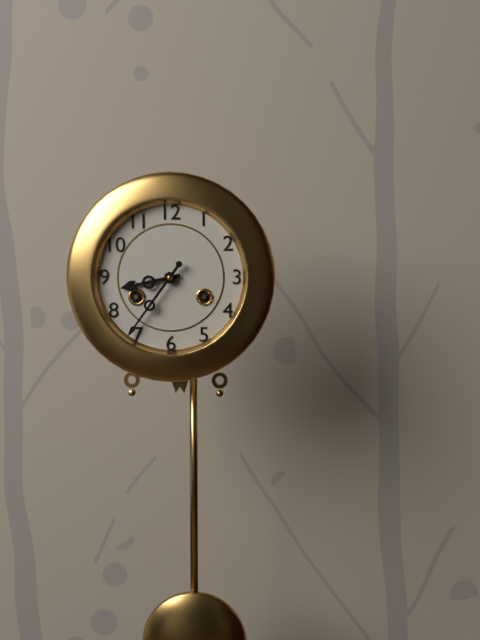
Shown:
8:36
